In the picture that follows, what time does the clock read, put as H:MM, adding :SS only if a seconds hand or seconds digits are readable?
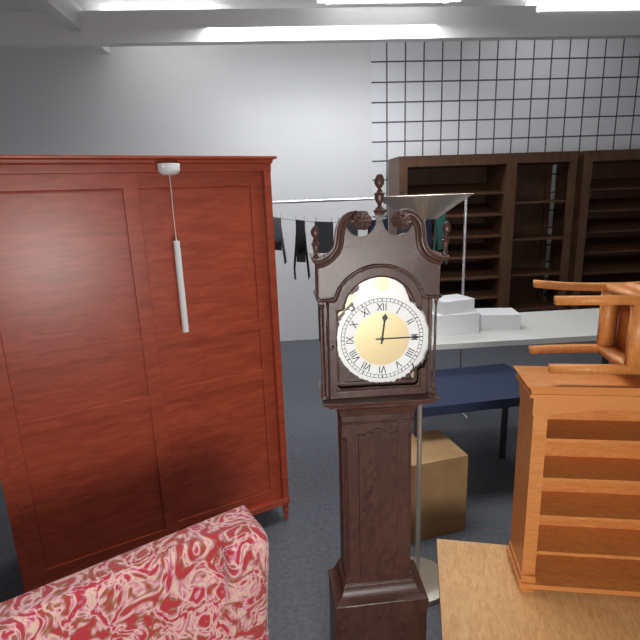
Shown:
12:15
